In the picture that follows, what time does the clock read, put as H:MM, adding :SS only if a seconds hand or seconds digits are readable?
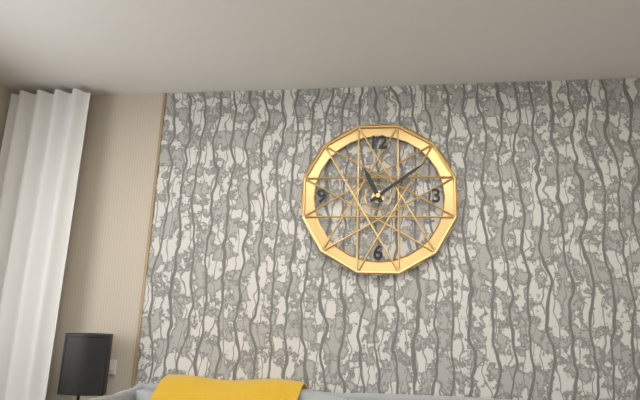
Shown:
11:09
